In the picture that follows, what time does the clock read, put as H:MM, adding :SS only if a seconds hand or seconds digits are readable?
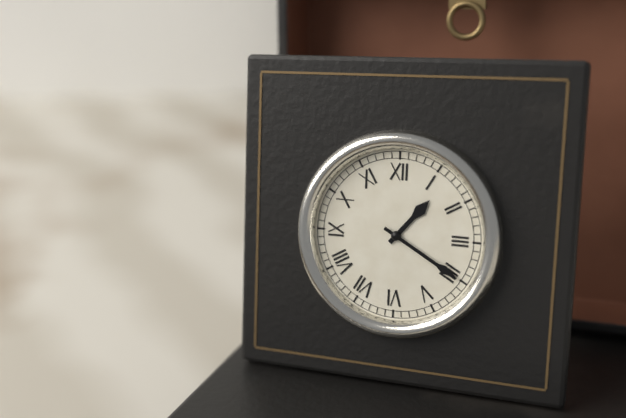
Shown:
1:20
